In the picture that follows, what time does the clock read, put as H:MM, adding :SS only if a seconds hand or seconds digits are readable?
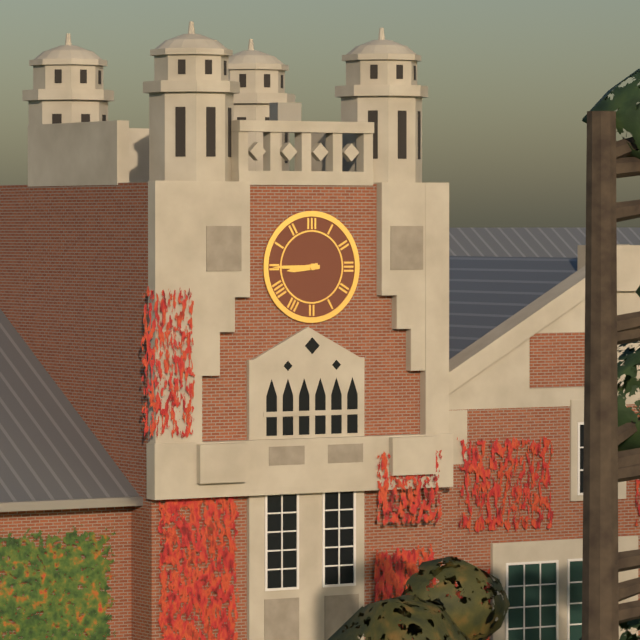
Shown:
8:45
